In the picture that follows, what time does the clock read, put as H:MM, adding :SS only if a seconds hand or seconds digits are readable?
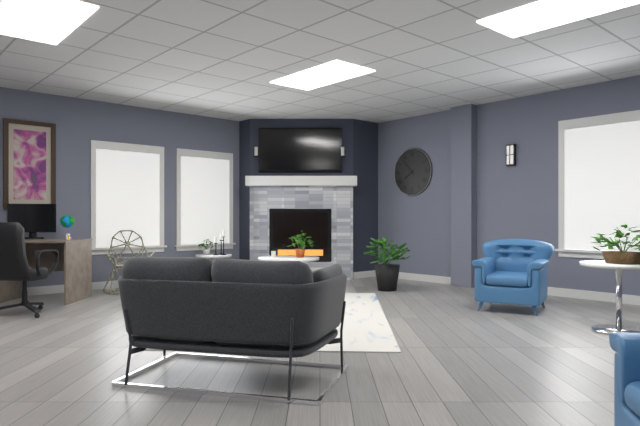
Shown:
7:53
